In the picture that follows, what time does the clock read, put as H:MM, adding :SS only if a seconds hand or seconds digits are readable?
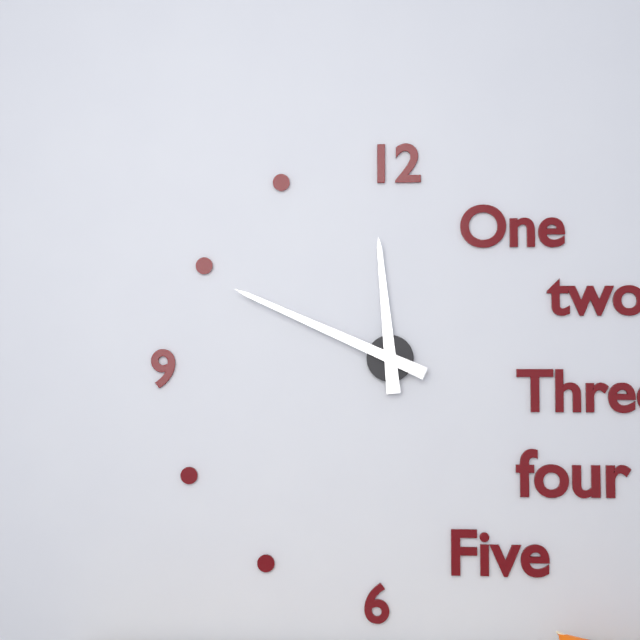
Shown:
11:49
